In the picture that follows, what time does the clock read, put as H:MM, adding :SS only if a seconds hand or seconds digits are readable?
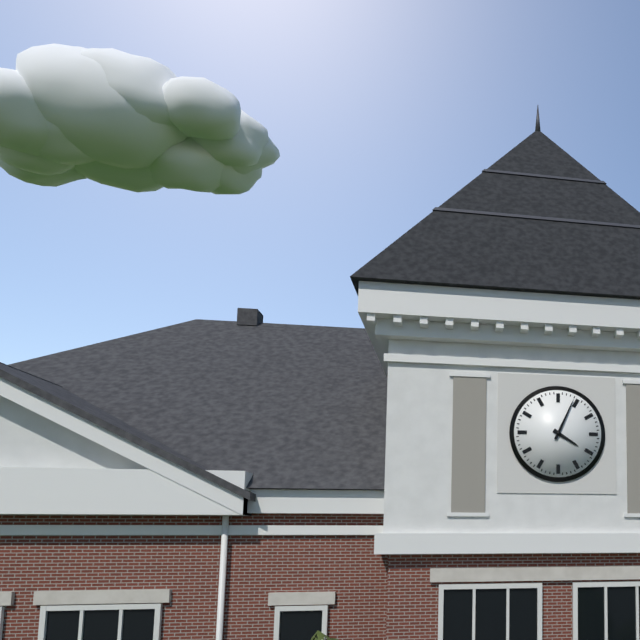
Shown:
4:04
